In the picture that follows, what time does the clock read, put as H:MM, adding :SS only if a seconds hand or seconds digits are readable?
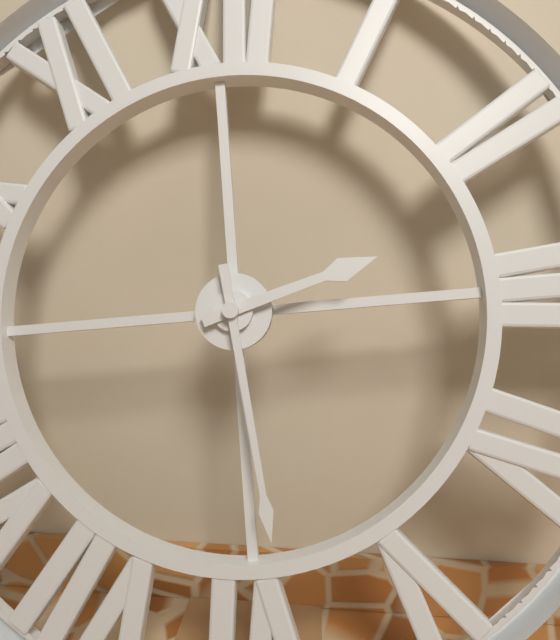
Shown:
2:29
